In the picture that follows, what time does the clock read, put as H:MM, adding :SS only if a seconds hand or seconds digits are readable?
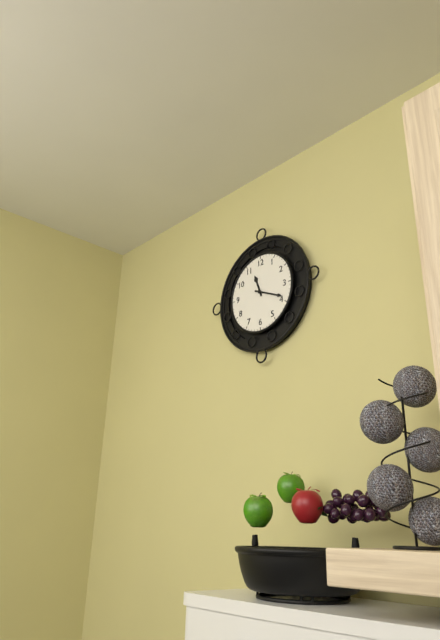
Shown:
11:19
